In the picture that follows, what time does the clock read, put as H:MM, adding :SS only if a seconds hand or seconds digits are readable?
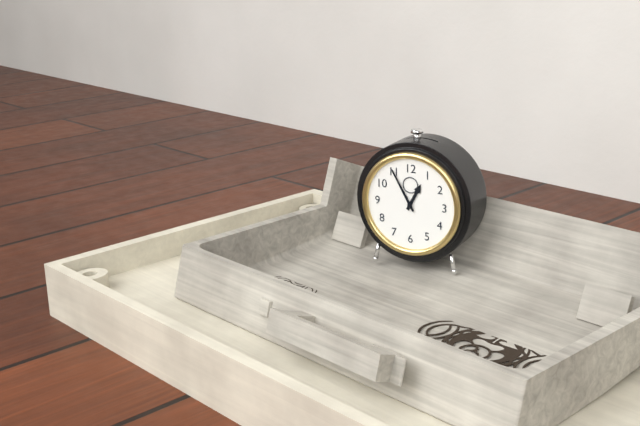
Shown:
12:55
